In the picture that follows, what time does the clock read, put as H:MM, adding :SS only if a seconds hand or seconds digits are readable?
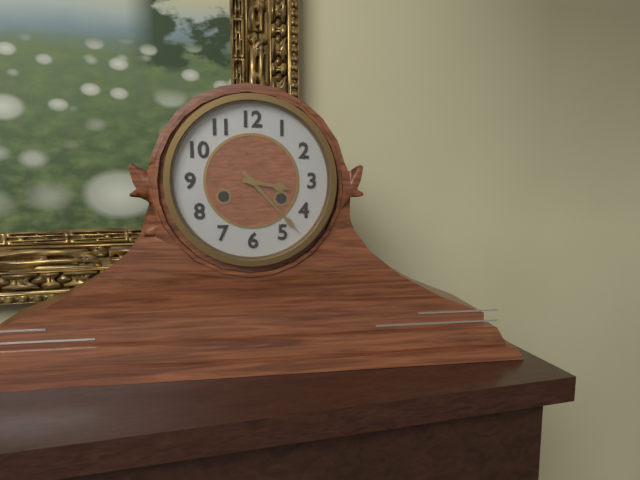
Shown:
3:23
